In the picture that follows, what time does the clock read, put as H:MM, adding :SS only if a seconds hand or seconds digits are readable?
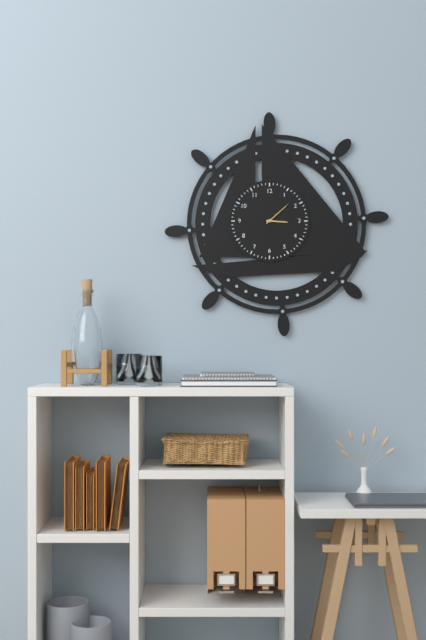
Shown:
3:08
